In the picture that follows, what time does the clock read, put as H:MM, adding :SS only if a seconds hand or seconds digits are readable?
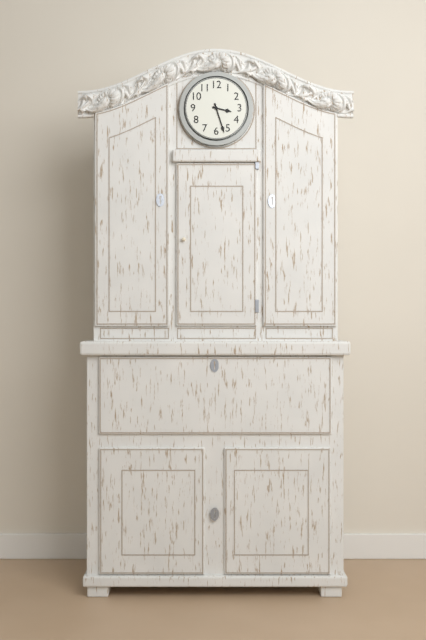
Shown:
3:27
